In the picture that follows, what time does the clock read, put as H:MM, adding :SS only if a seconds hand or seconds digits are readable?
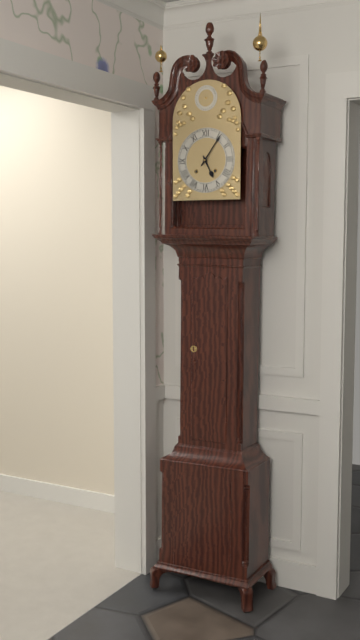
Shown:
5:06
